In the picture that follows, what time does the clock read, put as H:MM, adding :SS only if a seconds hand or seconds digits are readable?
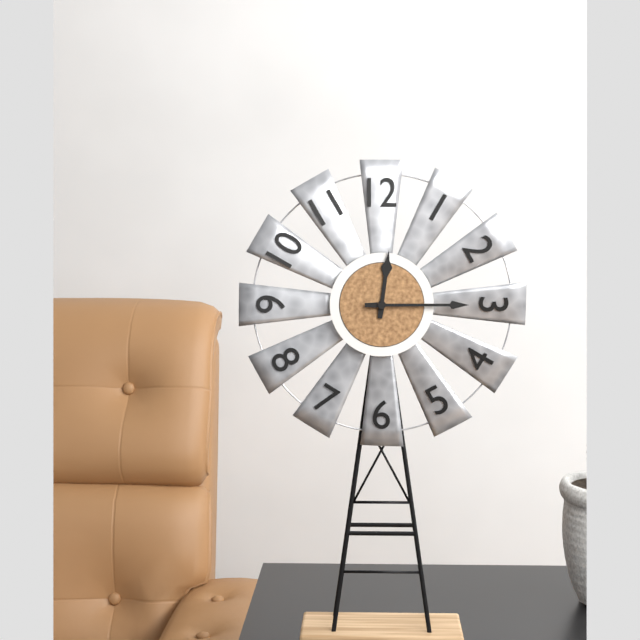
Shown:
12:15
